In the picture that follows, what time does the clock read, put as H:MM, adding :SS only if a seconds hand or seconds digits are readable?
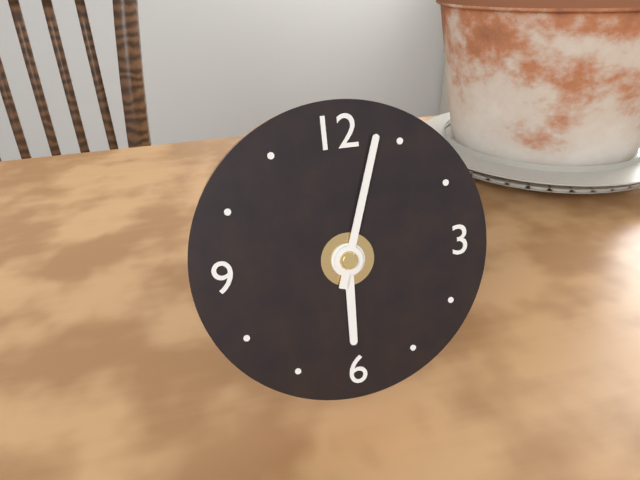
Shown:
6:03
